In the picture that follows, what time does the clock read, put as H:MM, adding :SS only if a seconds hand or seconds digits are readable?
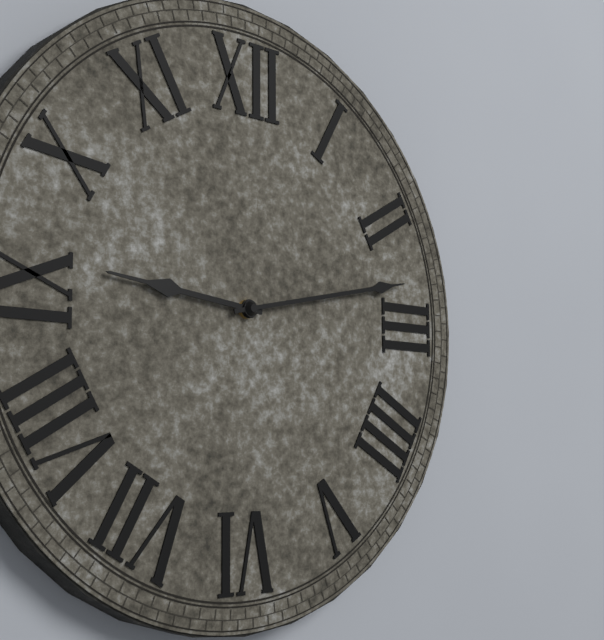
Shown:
9:13
